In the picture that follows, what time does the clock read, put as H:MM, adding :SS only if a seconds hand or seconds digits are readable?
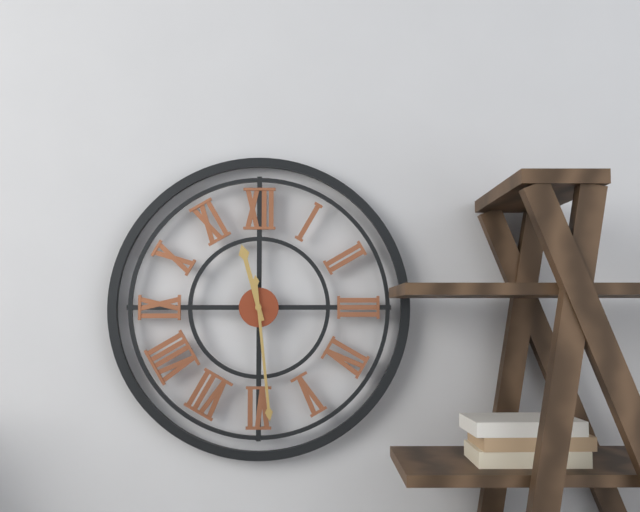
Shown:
11:29
